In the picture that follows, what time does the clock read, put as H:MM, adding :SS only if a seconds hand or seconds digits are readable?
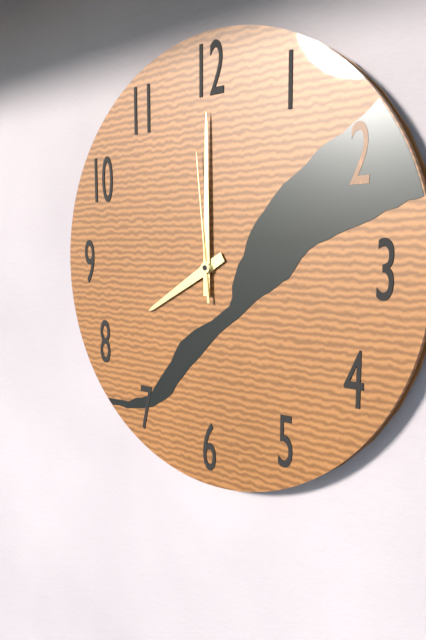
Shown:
8:00:59
